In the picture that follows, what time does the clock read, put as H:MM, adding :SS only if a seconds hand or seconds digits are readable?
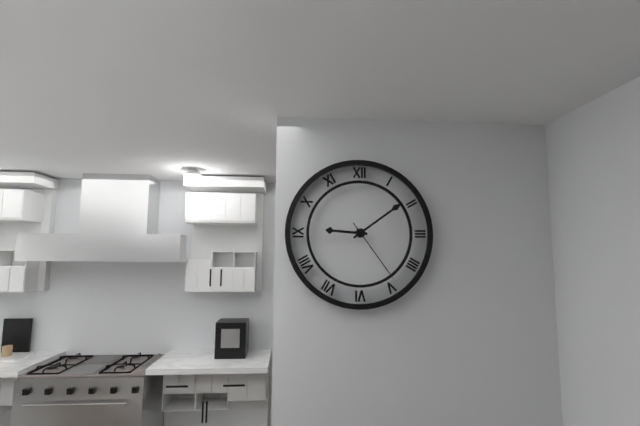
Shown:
9:09:24
